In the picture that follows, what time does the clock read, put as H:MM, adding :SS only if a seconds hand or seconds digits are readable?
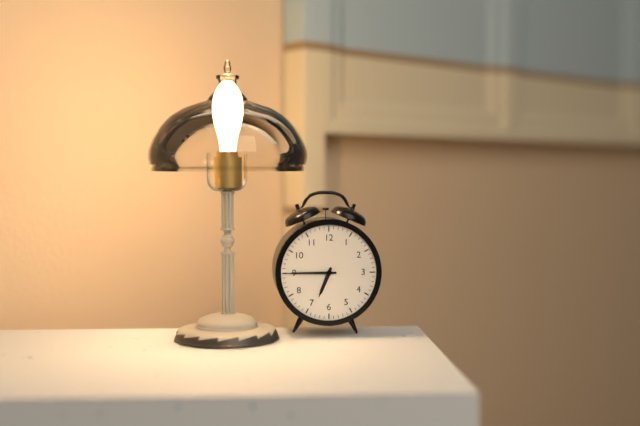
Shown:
6:45
